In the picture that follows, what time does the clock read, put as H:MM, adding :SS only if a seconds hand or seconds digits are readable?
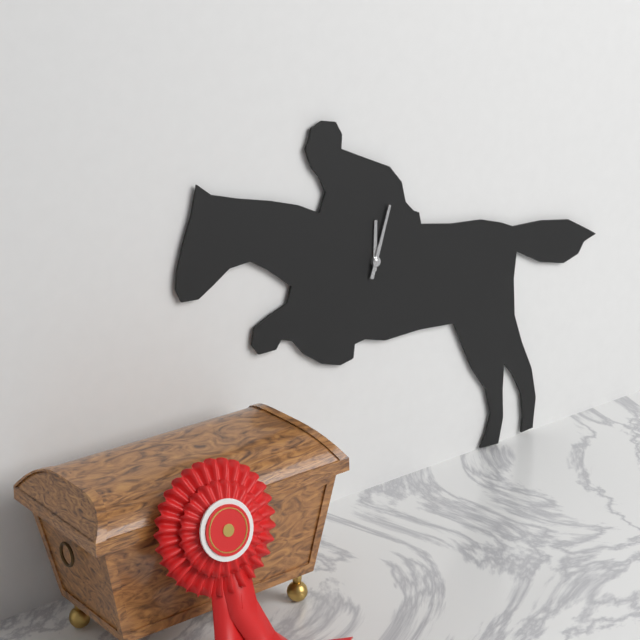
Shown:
12:03
